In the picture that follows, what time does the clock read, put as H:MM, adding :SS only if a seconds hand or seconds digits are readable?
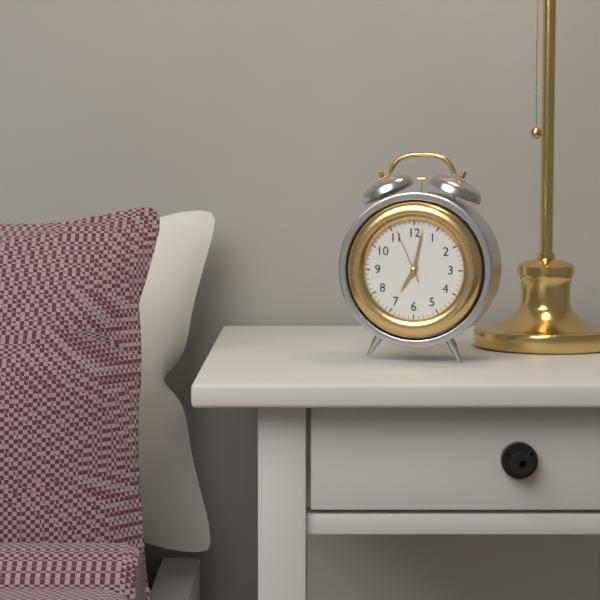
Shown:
7:02:56
